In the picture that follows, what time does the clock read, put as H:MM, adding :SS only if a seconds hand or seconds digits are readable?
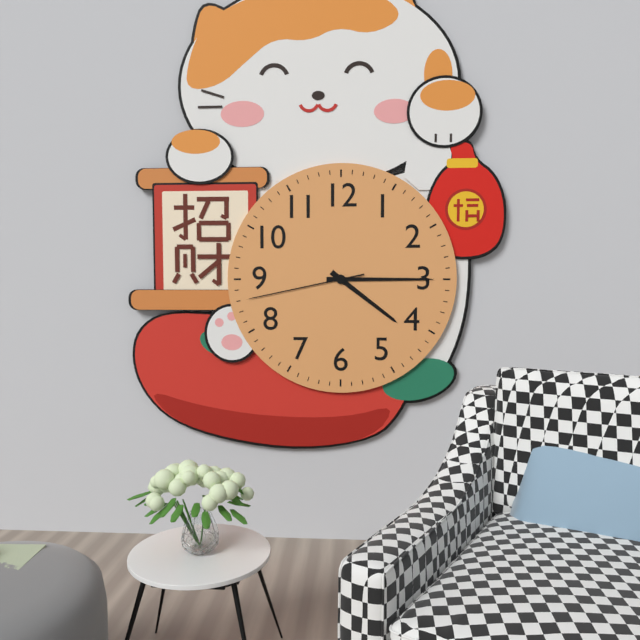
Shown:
4:15:43
